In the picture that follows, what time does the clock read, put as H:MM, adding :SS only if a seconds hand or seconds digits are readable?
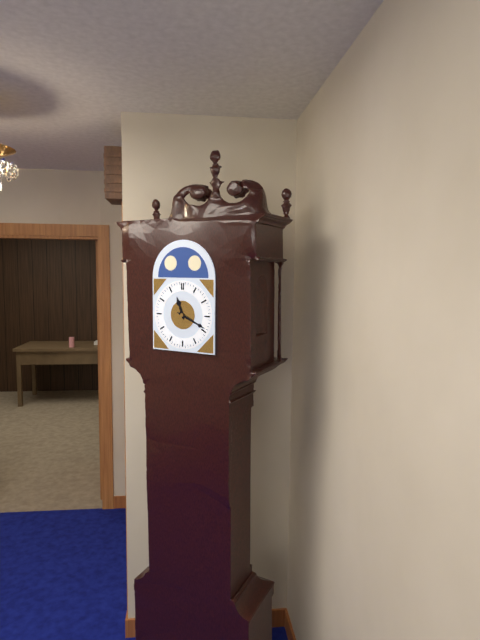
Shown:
11:19
